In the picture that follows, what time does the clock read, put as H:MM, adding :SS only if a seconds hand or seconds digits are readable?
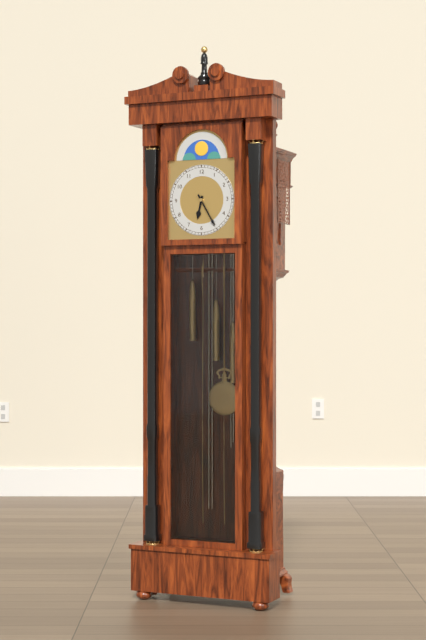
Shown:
6:25
